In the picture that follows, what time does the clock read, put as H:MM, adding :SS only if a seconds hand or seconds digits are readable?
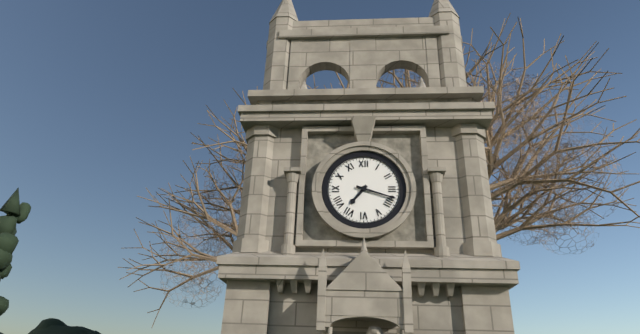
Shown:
7:18
